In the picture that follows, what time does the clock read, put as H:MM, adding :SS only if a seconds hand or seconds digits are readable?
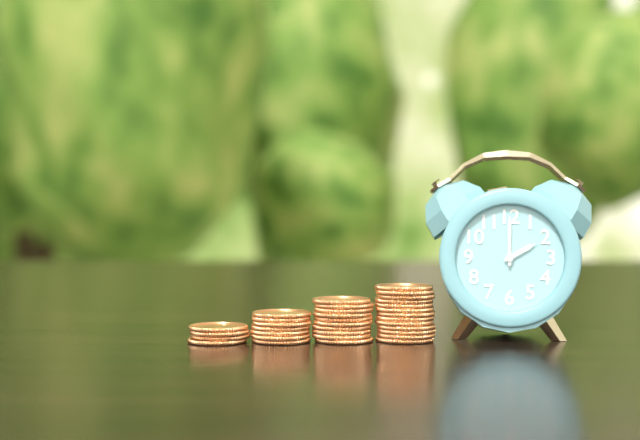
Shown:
2:00
